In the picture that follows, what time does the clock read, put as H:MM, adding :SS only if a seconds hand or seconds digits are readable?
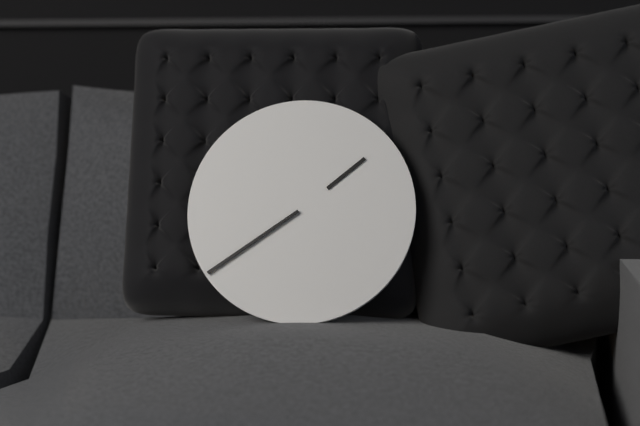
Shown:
1:39
